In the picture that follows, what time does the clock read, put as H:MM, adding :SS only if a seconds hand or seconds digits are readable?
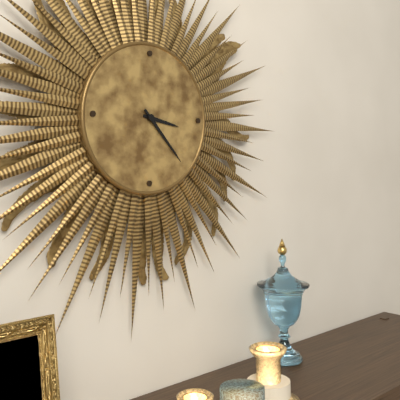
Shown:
3:23
